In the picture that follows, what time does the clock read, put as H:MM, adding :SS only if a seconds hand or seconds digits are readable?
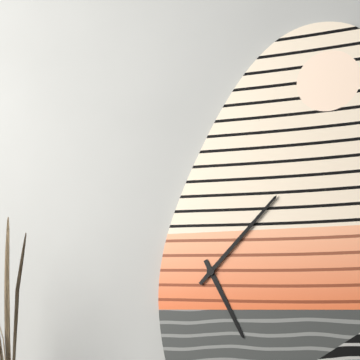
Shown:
5:07
